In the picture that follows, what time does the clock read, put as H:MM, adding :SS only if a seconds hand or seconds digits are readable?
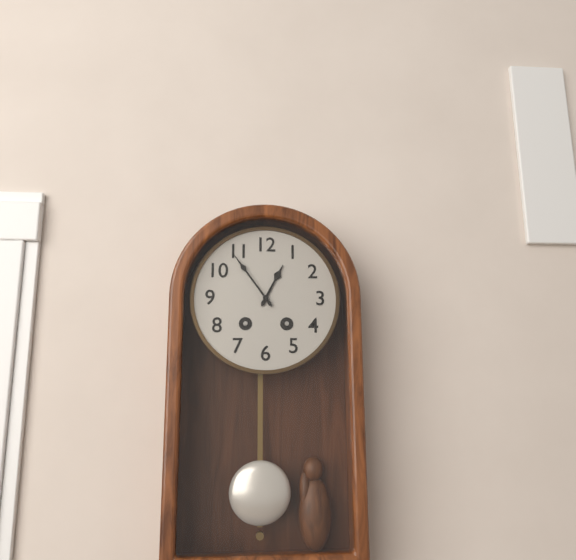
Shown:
12:54
